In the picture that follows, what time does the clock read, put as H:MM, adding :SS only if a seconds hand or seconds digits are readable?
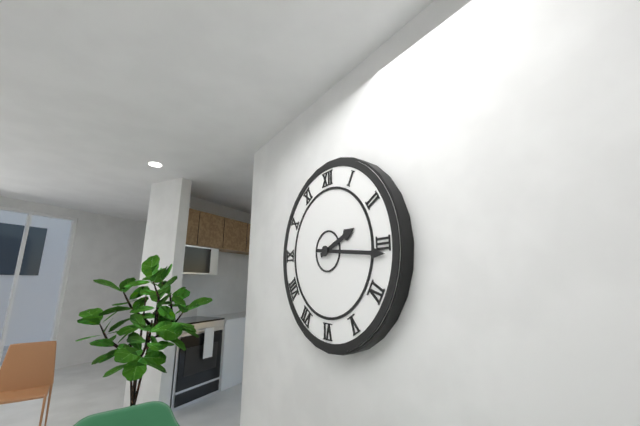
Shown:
2:16
